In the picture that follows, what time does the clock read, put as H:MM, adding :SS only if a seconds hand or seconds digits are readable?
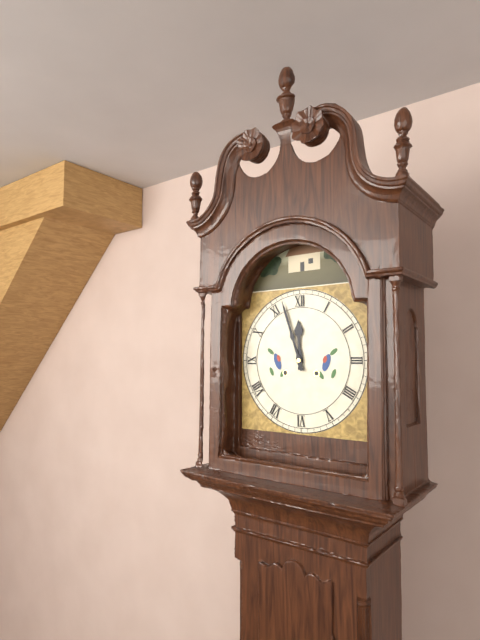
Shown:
11:57
